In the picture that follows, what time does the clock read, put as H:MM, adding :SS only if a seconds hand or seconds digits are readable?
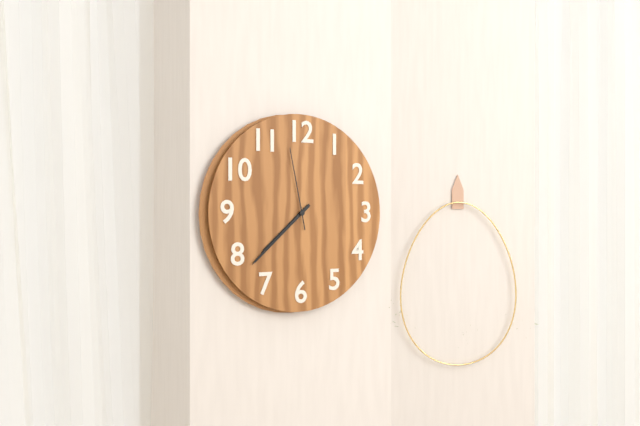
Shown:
7:38:58
